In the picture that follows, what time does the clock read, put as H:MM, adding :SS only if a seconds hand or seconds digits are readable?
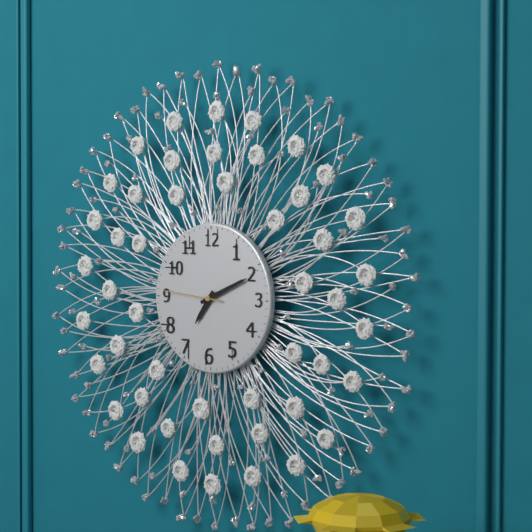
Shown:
7:11:46
